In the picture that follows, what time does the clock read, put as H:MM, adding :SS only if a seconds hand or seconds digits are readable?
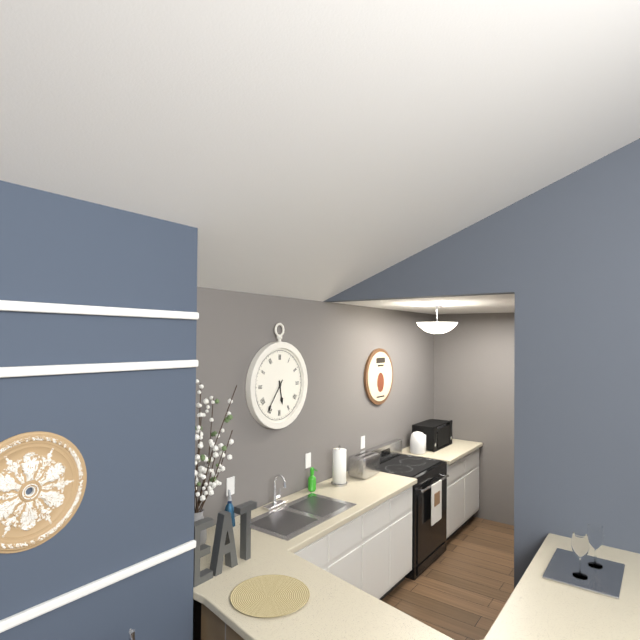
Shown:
5:36
